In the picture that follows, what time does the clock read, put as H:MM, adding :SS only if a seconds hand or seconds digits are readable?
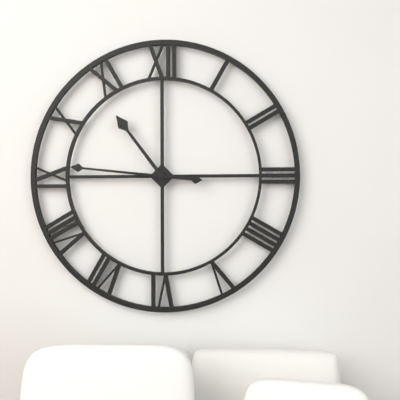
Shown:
10:46
